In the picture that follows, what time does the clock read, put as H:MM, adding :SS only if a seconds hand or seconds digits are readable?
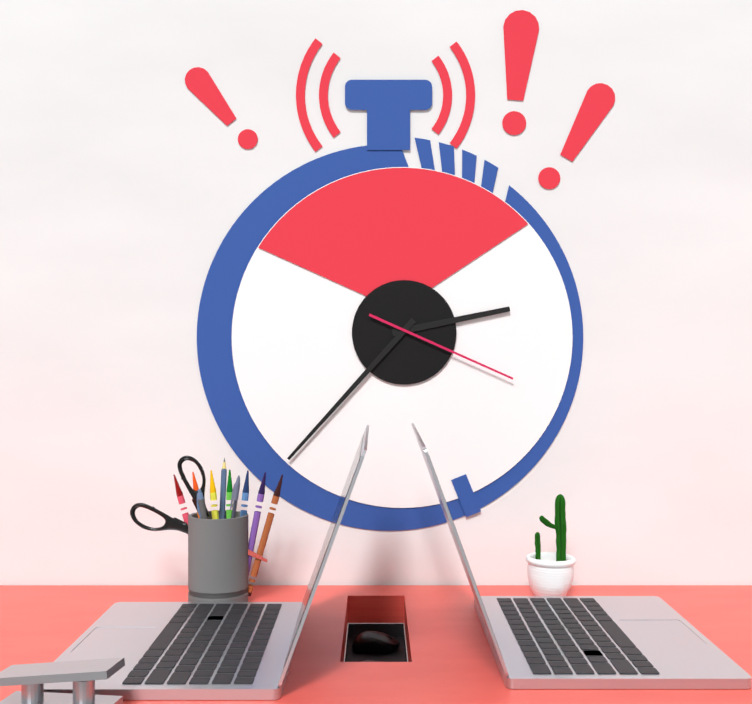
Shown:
2:37:19
